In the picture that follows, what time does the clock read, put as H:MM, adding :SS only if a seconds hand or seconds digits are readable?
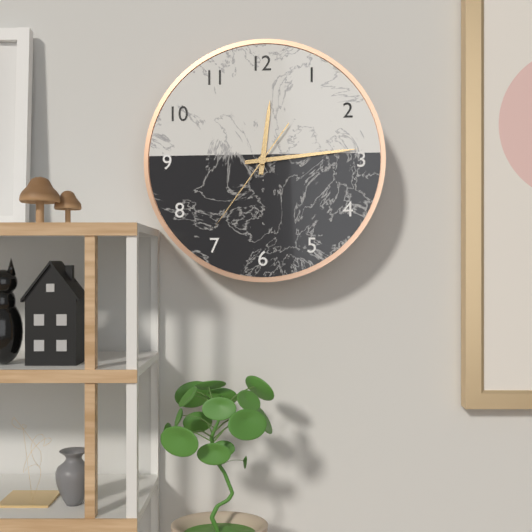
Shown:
12:14:36
